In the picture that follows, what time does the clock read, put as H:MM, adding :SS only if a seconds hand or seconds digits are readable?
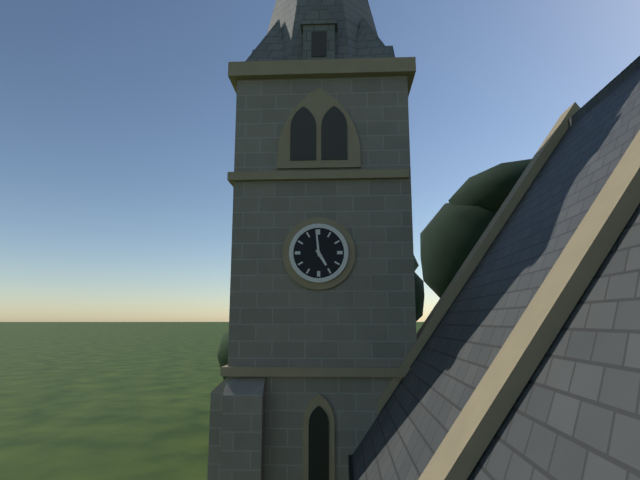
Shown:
4:59
